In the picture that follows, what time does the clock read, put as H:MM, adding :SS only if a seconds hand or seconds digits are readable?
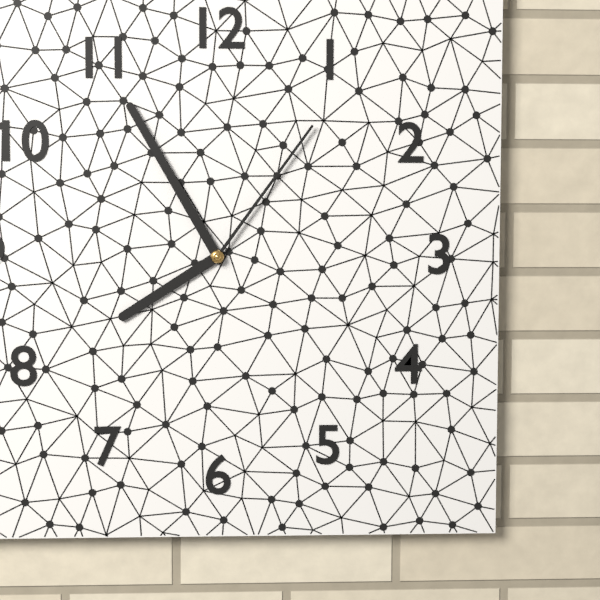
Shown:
7:55:06
